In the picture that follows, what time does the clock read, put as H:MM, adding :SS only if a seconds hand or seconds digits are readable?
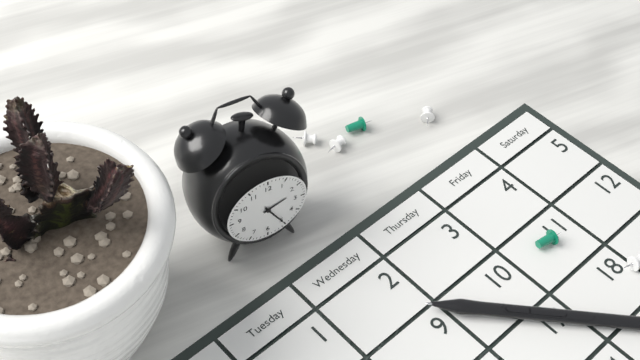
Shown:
2:25
